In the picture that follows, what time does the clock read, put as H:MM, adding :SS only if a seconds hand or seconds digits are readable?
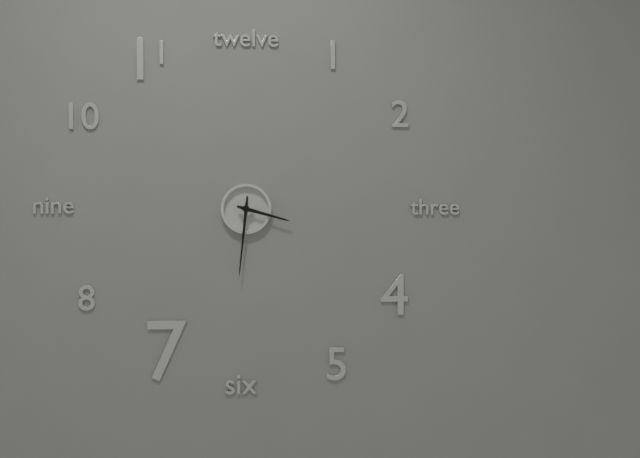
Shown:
3:31
